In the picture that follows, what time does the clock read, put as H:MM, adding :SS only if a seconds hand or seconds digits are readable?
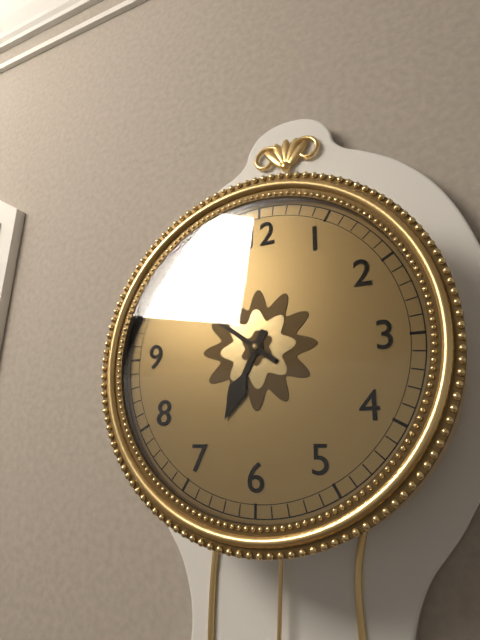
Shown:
6:51
